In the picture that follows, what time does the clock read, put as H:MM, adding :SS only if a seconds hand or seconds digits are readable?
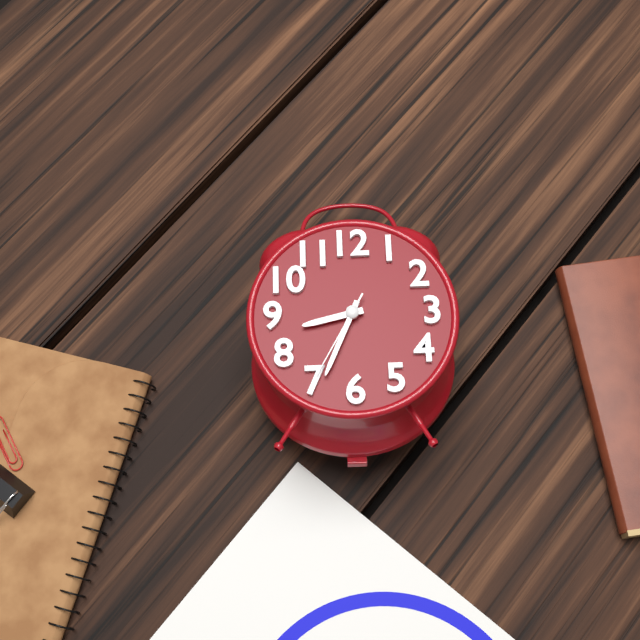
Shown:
8:34:35
